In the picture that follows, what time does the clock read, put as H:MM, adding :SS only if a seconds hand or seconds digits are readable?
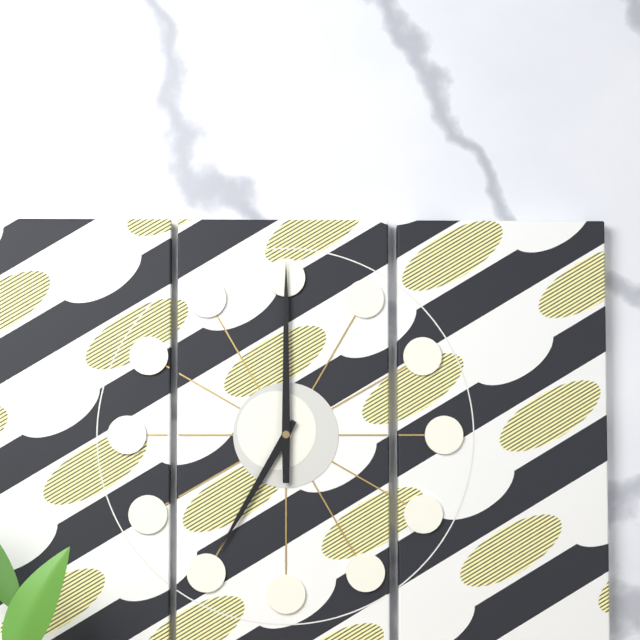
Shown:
7:00
